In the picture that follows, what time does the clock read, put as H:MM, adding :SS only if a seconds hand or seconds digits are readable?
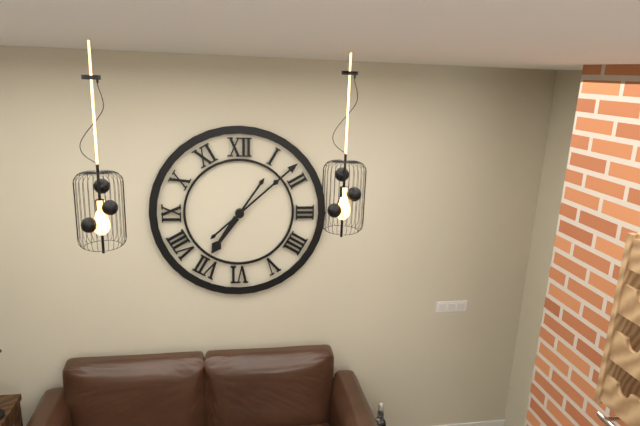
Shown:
7:08
